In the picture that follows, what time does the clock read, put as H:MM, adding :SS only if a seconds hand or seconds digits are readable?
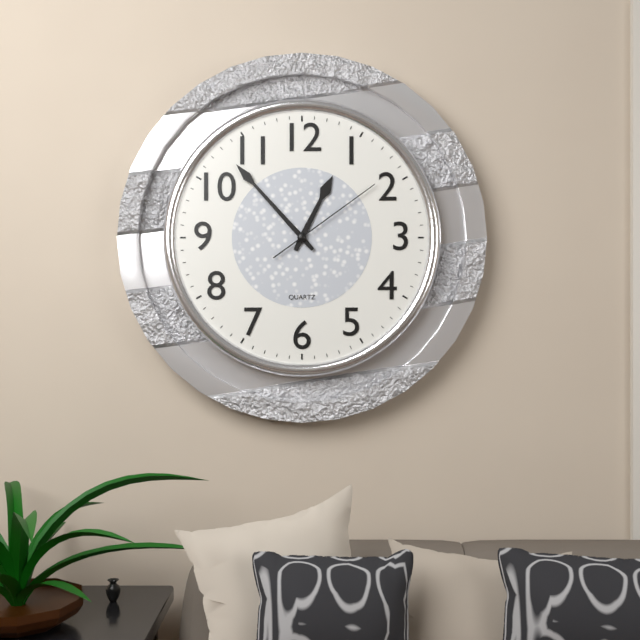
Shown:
12:53:09
